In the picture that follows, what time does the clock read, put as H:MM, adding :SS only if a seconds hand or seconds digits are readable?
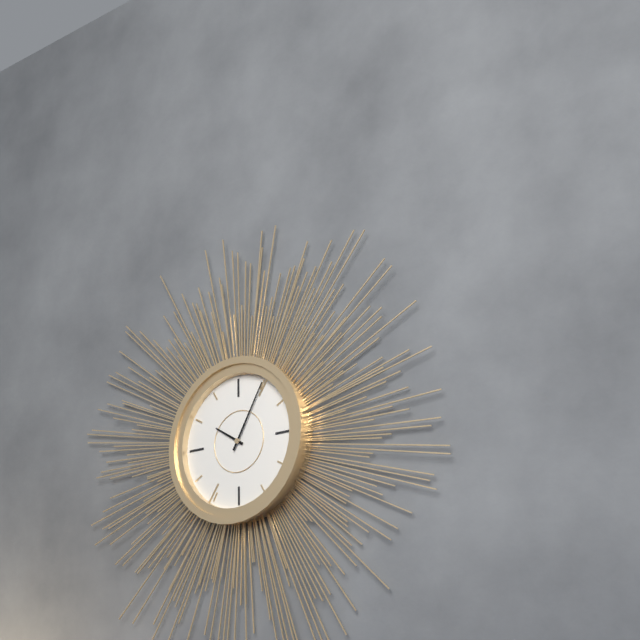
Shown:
10:05
